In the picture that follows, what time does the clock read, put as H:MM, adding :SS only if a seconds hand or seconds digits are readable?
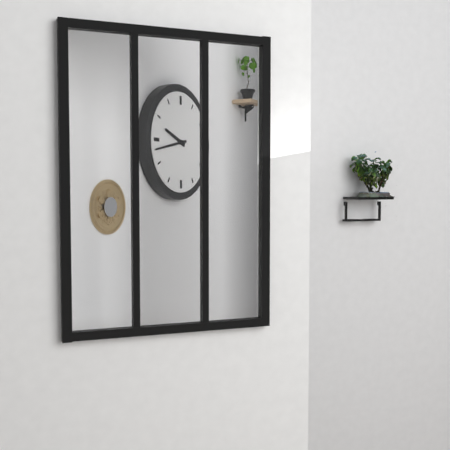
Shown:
9:43
